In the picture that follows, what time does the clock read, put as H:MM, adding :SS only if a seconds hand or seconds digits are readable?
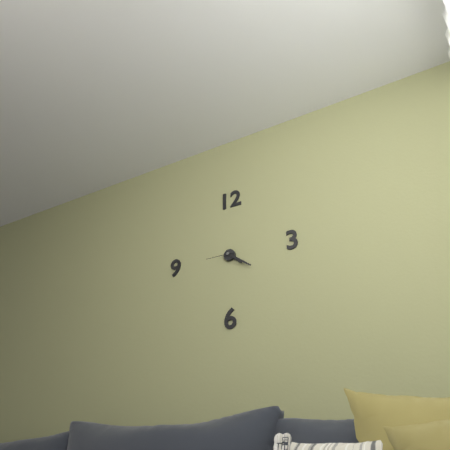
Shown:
4:21
